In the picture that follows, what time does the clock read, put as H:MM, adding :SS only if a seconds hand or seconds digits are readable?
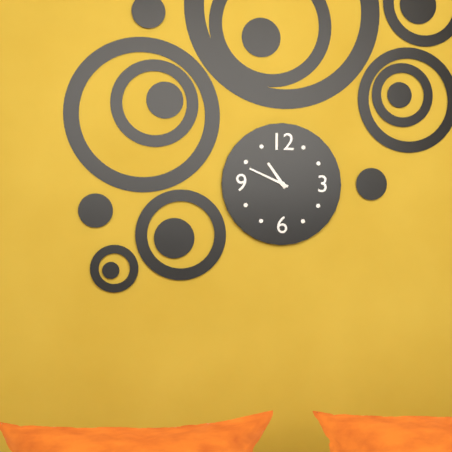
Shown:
10:49
